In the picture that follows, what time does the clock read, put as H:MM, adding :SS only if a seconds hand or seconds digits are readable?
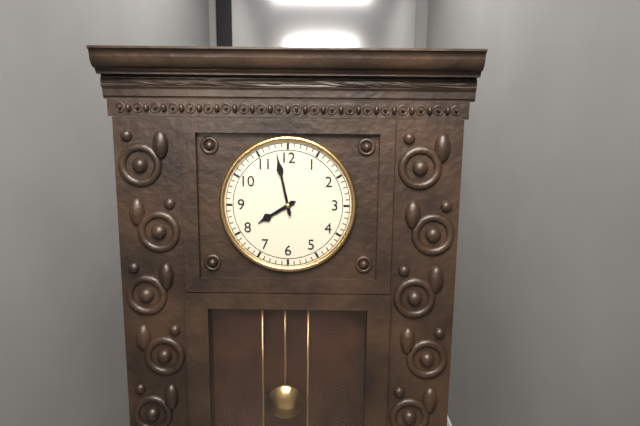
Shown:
7:58
